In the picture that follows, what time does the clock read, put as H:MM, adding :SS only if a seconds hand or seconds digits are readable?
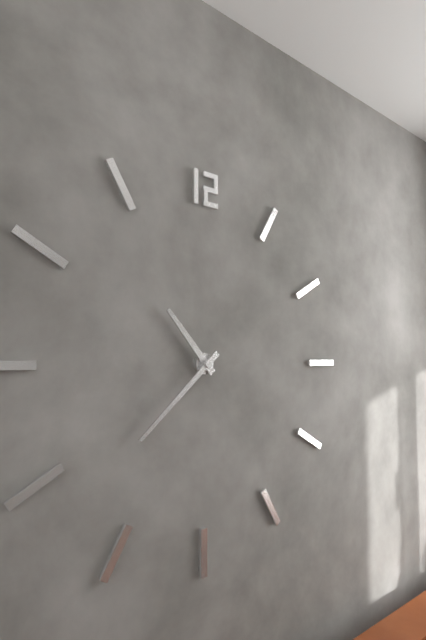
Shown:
10:38
